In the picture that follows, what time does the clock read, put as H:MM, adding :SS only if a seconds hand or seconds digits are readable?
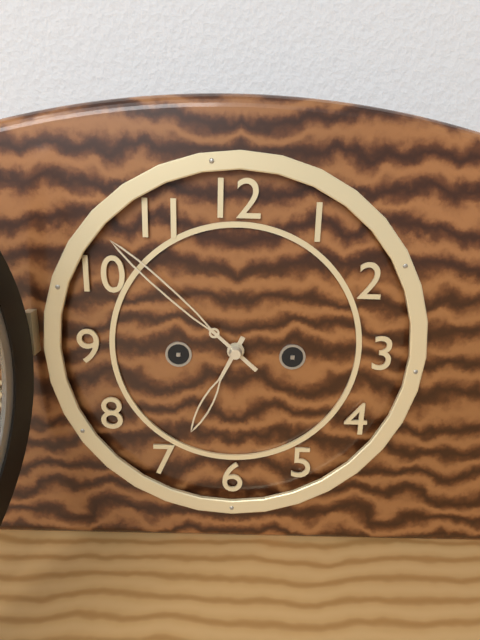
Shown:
6:52
